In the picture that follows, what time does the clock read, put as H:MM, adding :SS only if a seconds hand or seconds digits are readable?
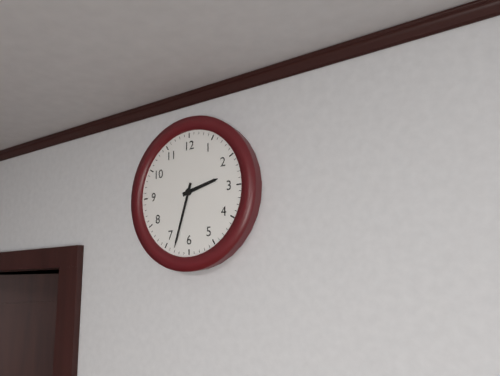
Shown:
2:33
